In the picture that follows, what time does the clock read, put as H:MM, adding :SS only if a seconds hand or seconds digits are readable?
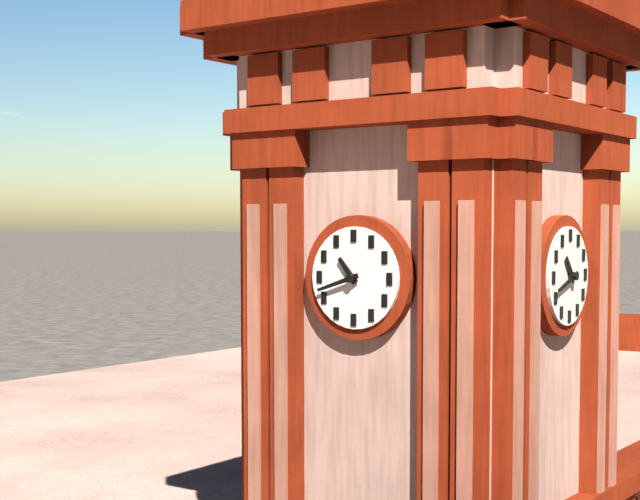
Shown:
10:42
